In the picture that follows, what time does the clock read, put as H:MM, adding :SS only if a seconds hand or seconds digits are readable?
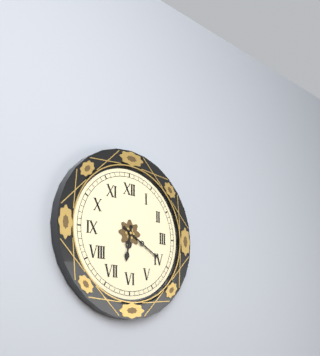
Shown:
6:20
